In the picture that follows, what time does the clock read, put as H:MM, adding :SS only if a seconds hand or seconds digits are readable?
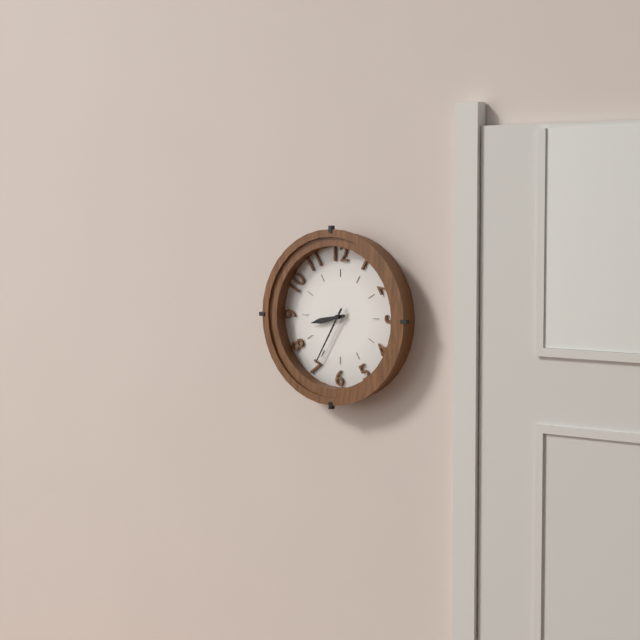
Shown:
8:35
